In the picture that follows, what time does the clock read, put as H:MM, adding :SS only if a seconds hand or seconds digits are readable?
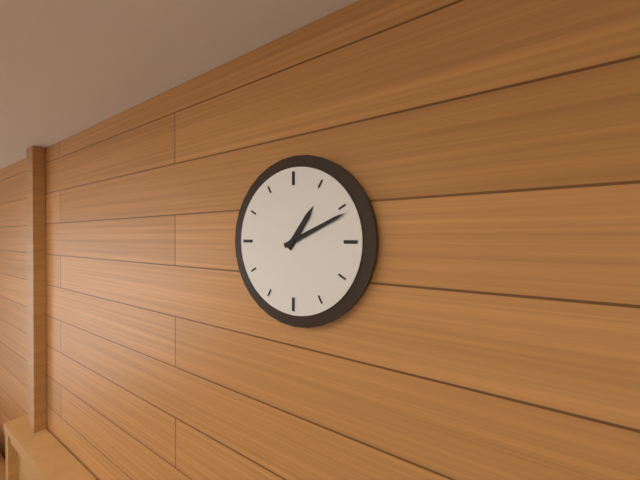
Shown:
1:11
